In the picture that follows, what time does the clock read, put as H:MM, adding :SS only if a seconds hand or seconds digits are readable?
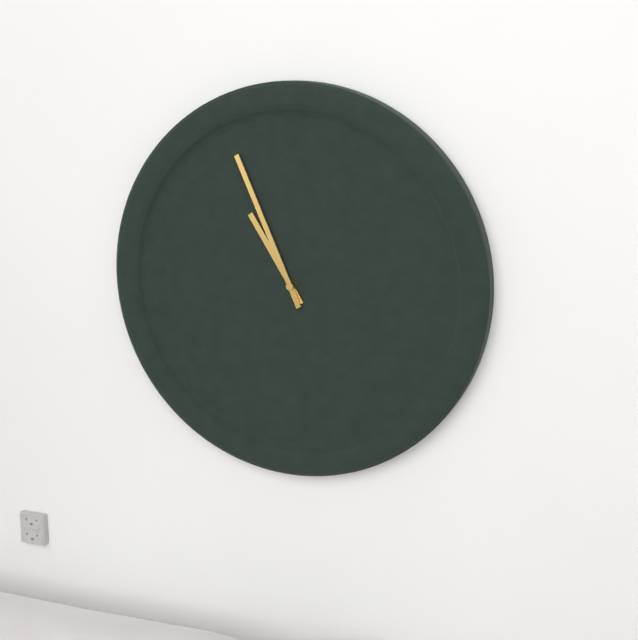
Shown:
10:56
